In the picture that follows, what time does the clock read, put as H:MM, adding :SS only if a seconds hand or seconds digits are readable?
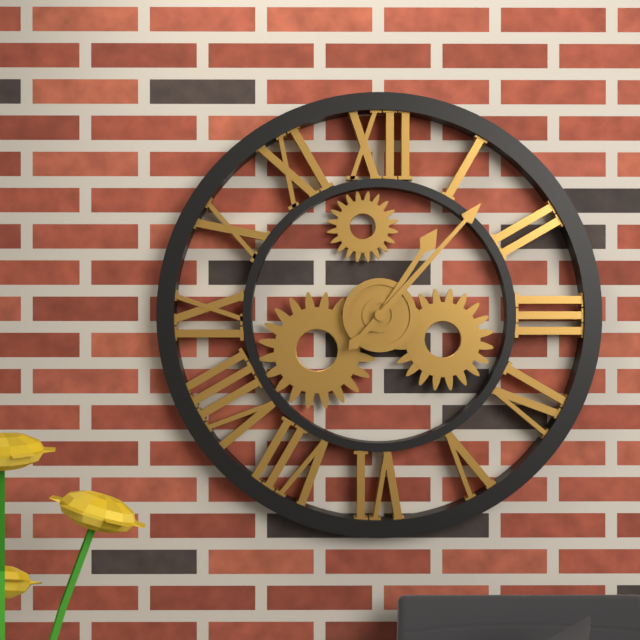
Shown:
1:07
